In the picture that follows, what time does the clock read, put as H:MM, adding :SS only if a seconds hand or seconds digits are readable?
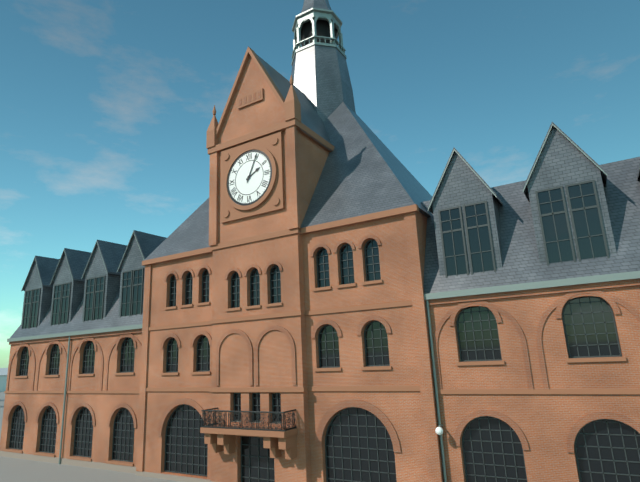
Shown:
2:04
